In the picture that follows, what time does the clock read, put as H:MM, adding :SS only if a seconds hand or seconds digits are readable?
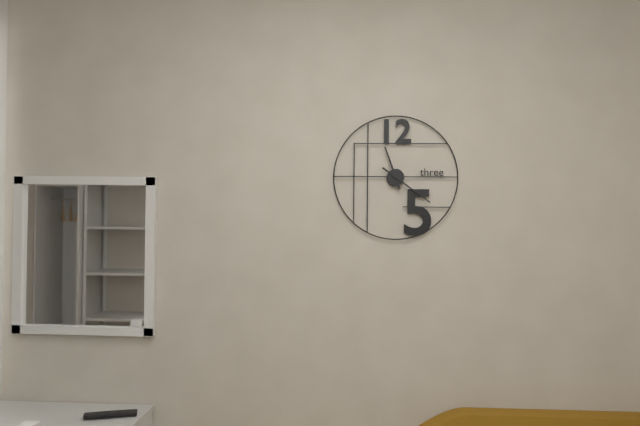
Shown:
11:21
